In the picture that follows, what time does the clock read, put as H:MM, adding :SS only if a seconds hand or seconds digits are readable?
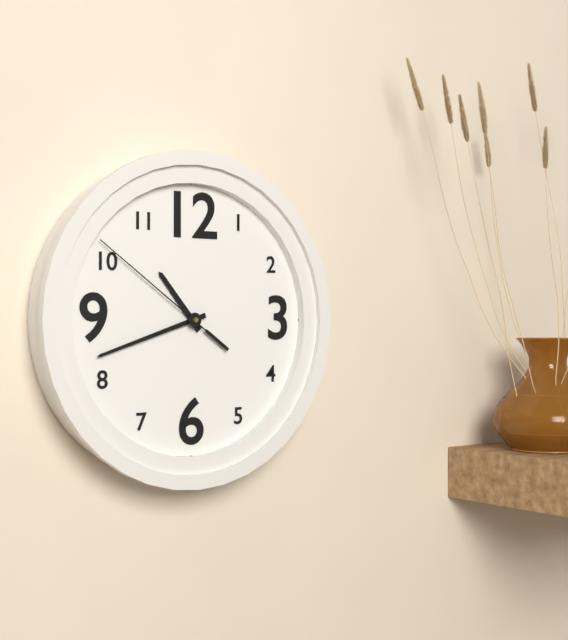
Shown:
10:42:51
